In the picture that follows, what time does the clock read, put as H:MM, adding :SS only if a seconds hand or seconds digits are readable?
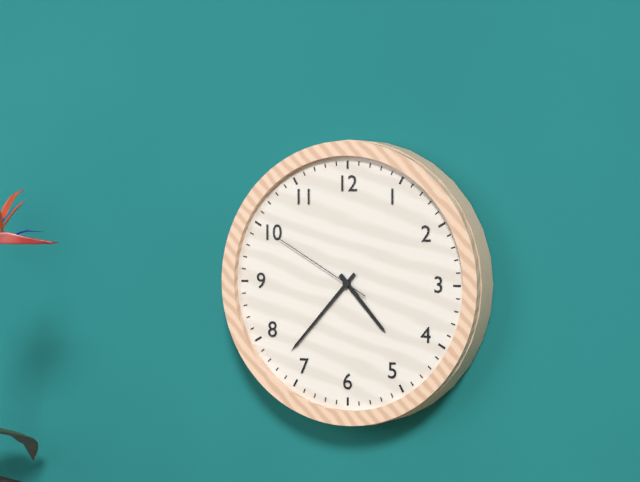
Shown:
4:37:50
